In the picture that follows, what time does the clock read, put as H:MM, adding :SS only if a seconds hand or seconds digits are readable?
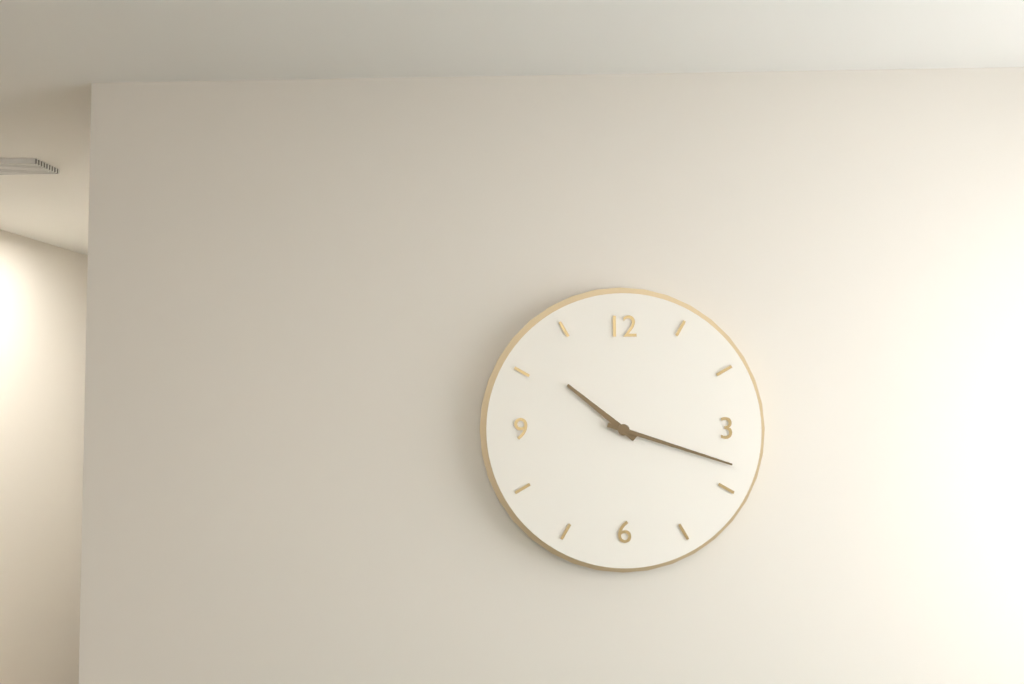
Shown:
10:18
